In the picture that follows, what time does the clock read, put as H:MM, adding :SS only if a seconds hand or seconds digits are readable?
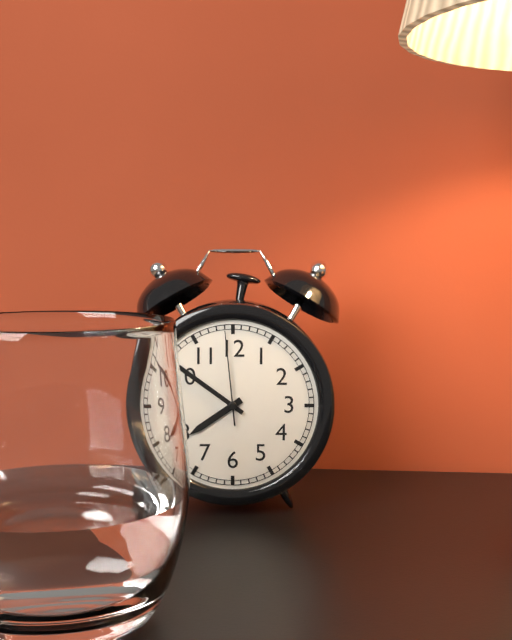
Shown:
7:51:59
